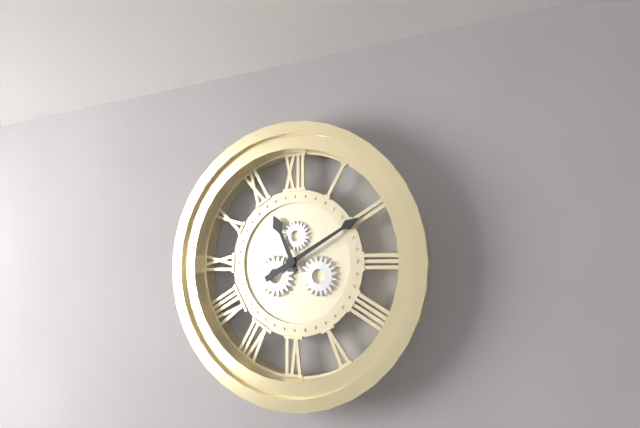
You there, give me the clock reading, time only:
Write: 11:10
